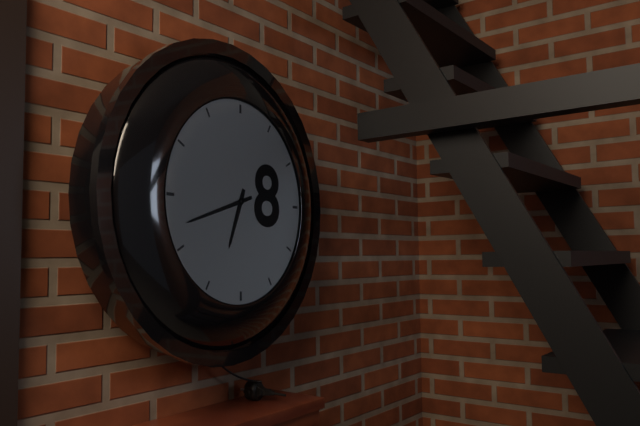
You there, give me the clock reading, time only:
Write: 6:42
